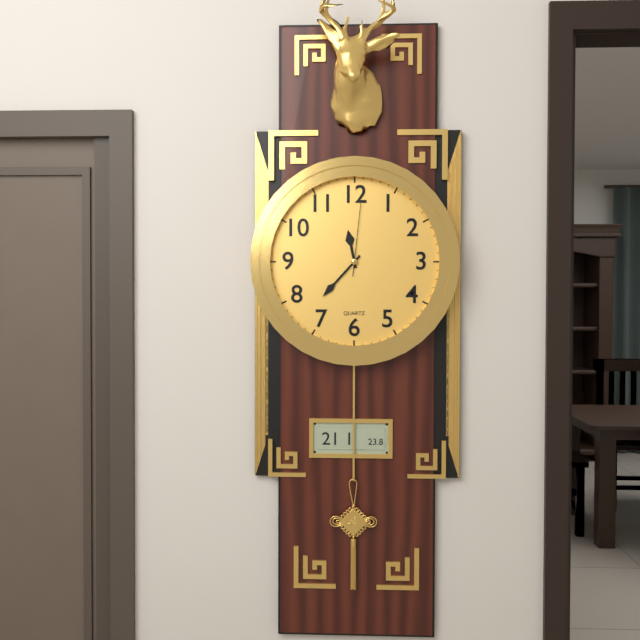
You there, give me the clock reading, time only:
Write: 11:37:01
